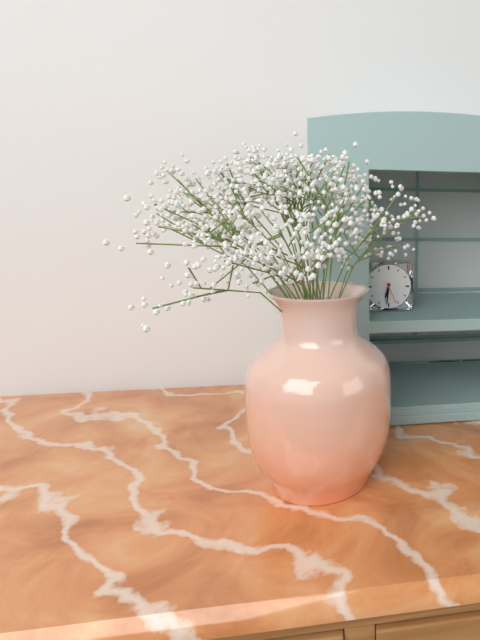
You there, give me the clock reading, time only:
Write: 6:31
